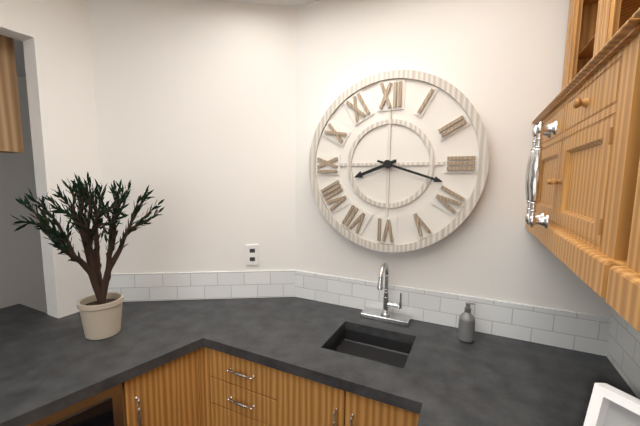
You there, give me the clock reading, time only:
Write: 8:18
